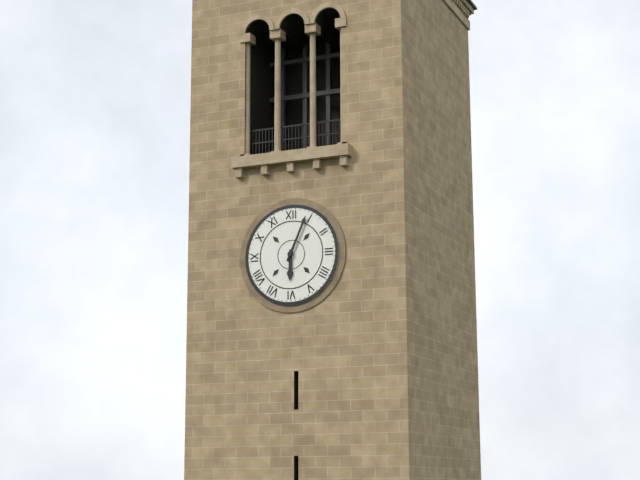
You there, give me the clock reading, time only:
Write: 6:04
